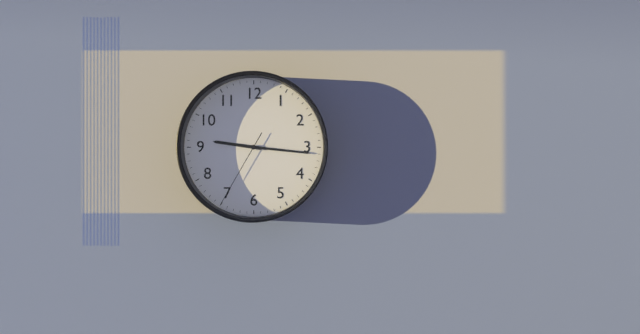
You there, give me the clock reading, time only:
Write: 9:16:35
